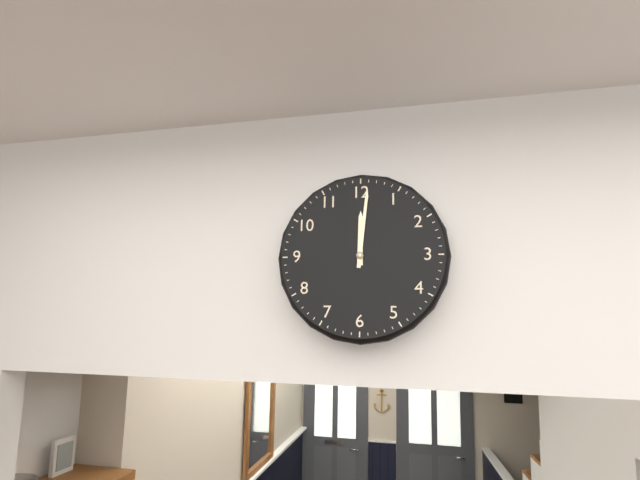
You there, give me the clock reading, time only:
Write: 12:01
